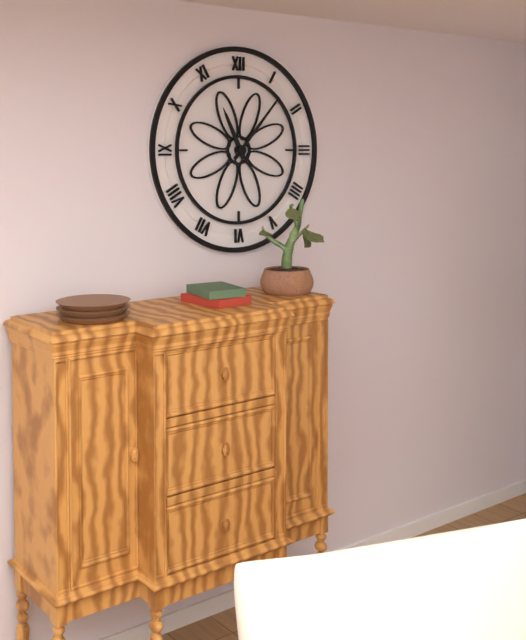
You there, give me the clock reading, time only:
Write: 11:07
